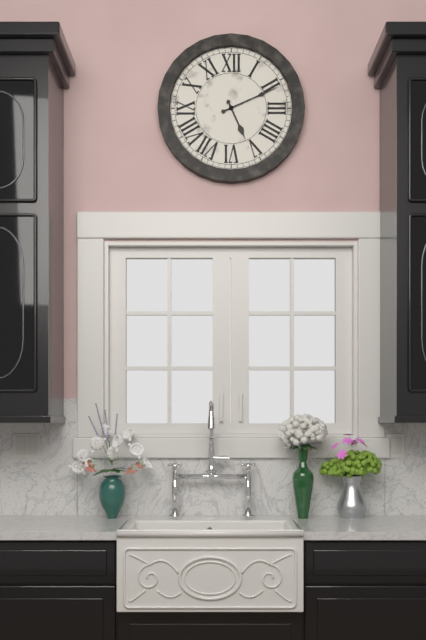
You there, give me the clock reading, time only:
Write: 5:11
